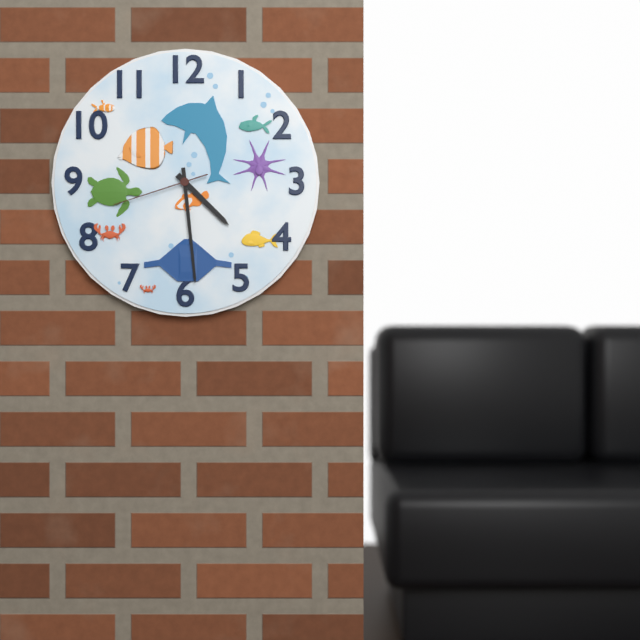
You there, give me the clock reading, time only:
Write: 4:29:42
